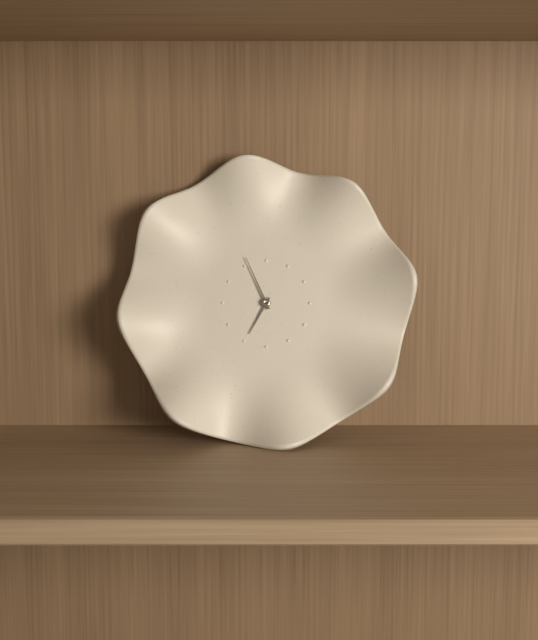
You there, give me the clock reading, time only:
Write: 6:56
